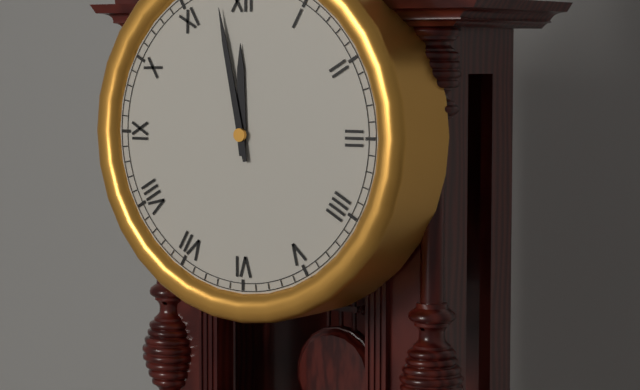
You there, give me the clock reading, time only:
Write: 11:58
